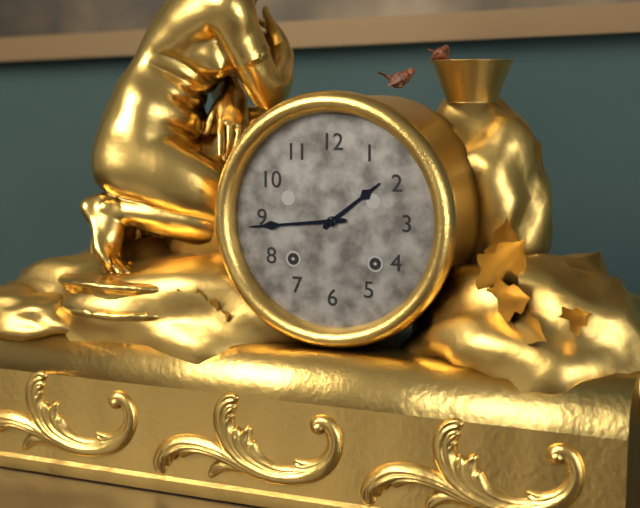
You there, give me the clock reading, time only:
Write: 1:44
